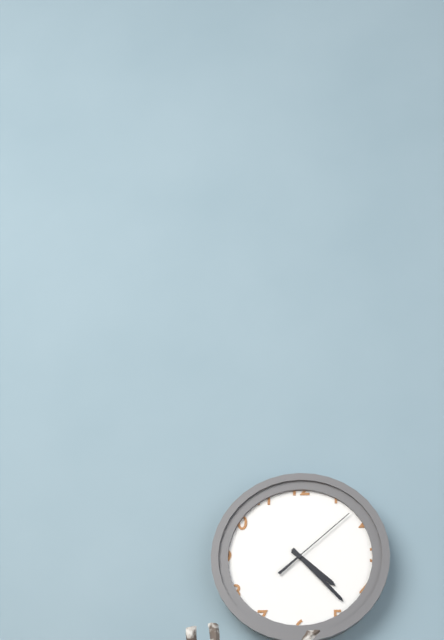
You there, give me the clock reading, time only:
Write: 4:23:08
